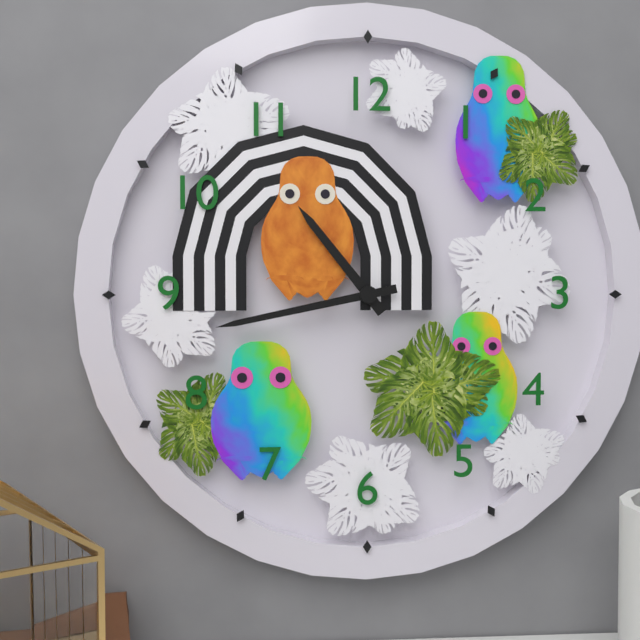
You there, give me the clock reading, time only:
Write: 10:43
